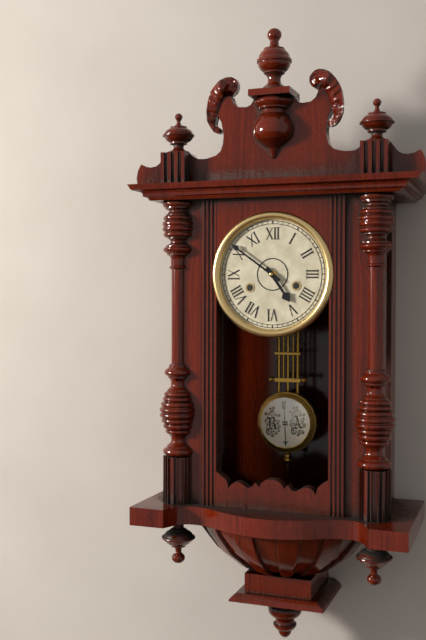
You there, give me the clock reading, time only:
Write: 4:51
